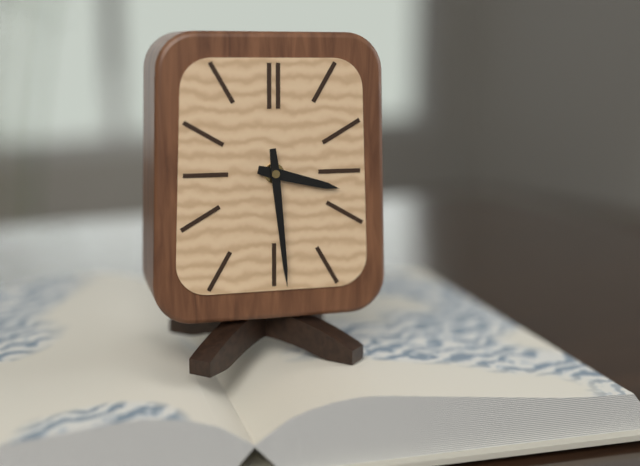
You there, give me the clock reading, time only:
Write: 3:29
